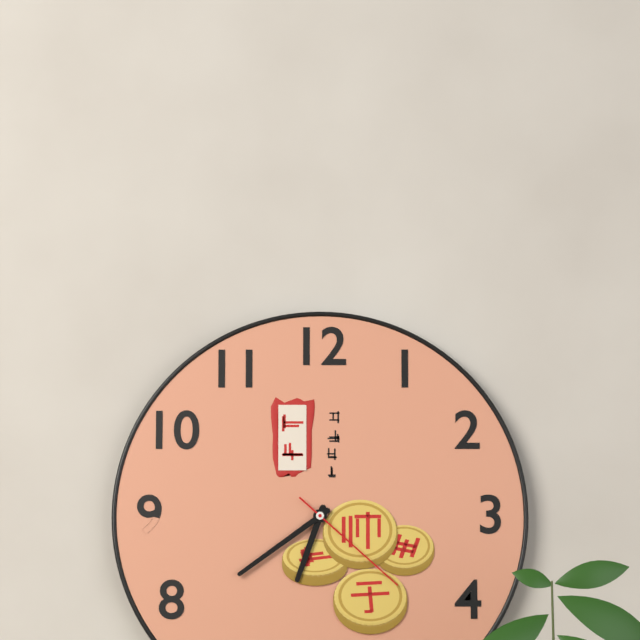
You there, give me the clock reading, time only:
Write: 6:39:22
